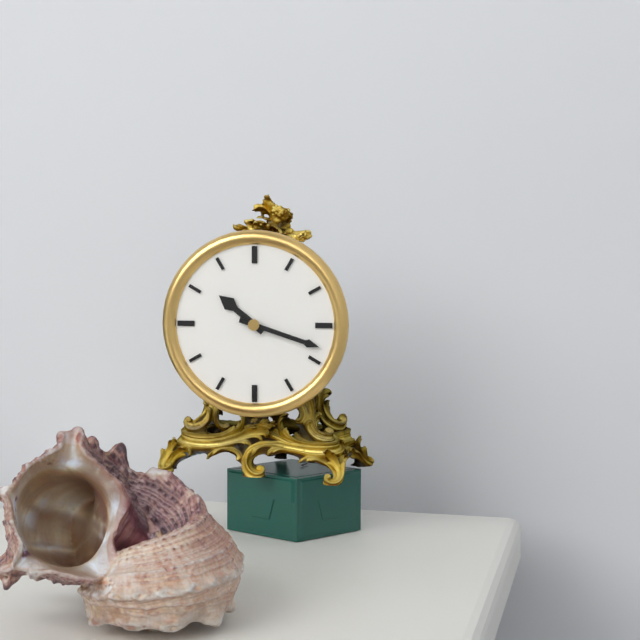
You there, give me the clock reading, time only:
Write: 10:18
